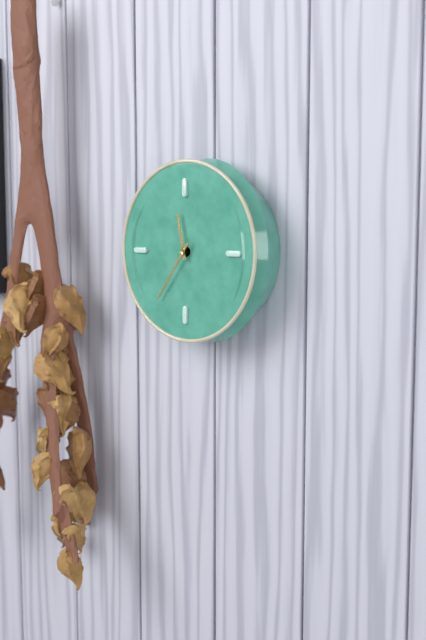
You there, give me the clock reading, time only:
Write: 11:36
